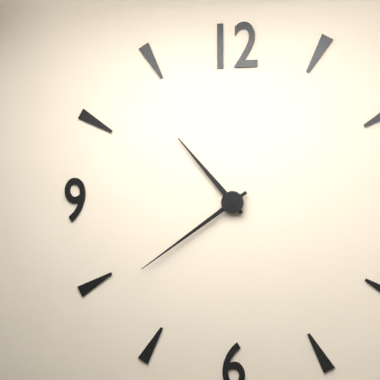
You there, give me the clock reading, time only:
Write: 10:39
